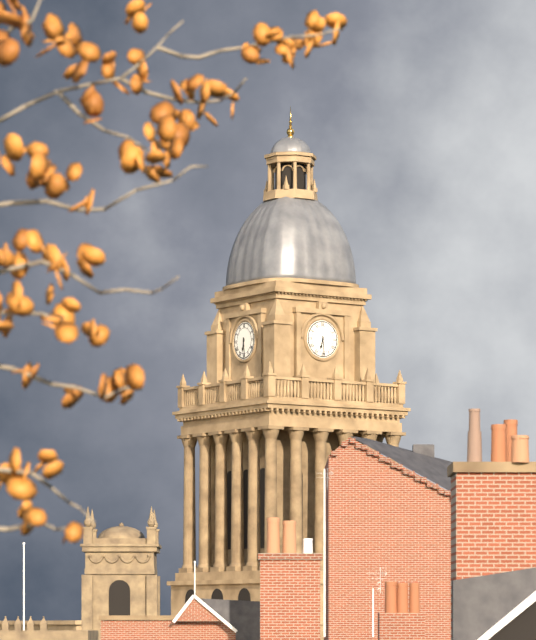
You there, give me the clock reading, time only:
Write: 6:29
